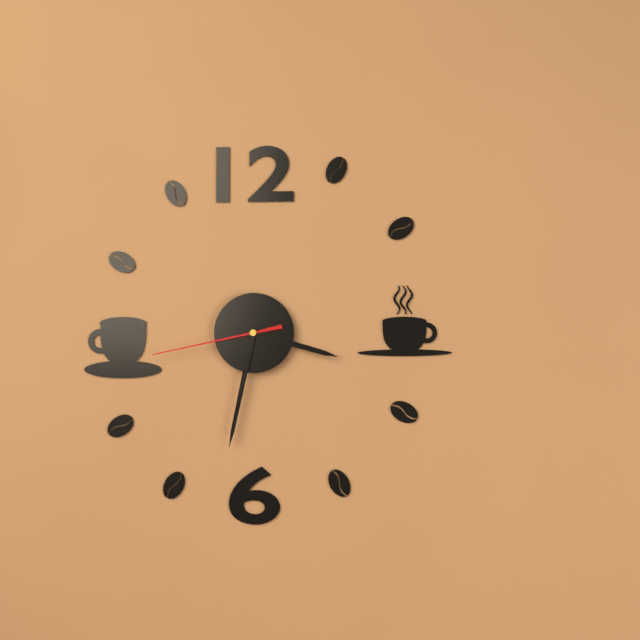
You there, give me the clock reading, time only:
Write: 3:32:43
